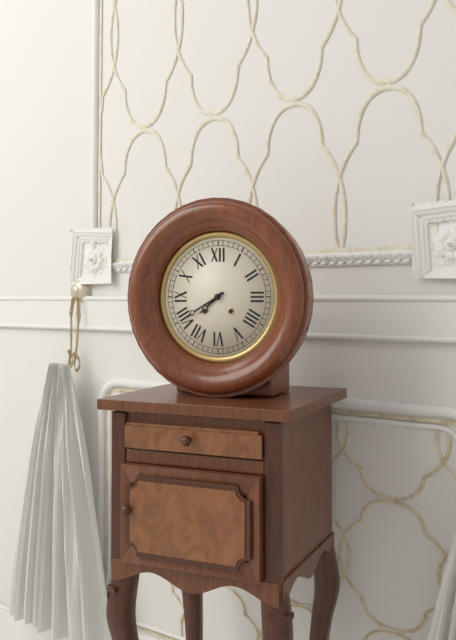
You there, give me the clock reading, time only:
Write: 7:40
